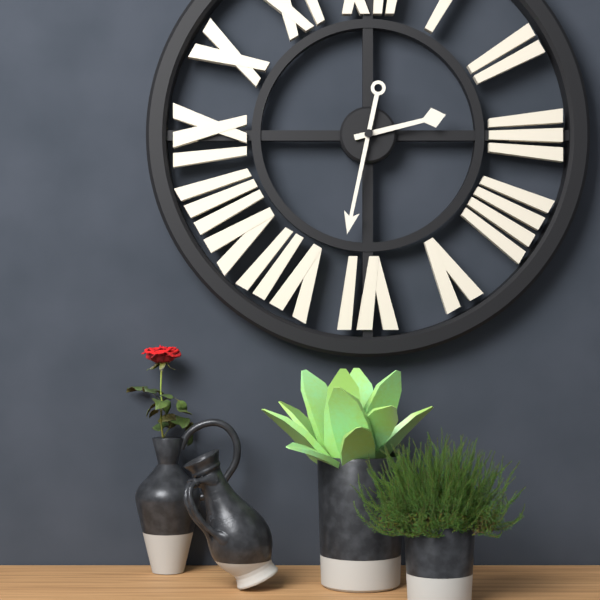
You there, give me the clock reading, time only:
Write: 2:32
